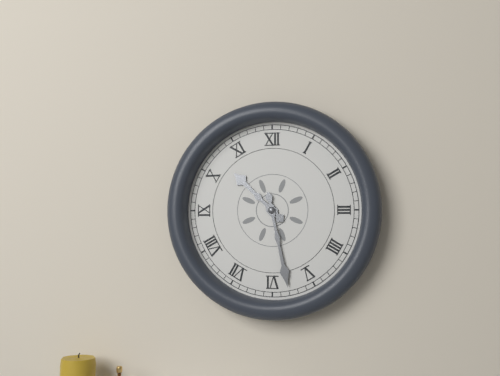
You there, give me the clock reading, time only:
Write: 10:28
